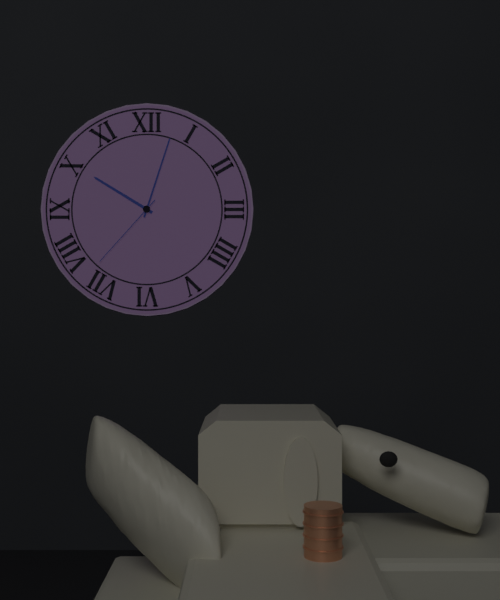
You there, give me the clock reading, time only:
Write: 10:03:37
